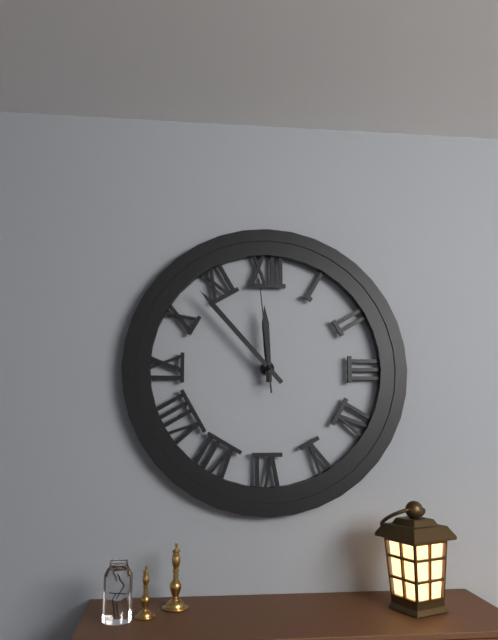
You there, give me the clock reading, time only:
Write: 11:53:59
